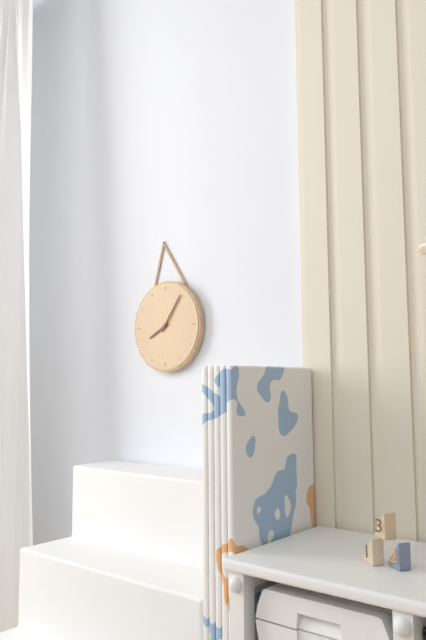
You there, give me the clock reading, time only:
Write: 8:06
